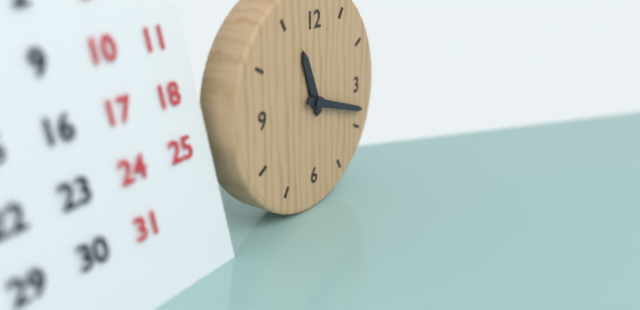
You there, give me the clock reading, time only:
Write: 11:18
